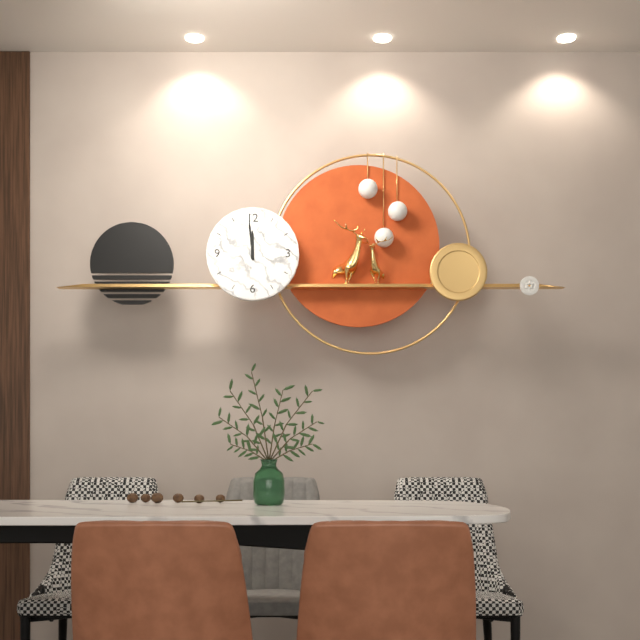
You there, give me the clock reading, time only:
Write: 11:59
